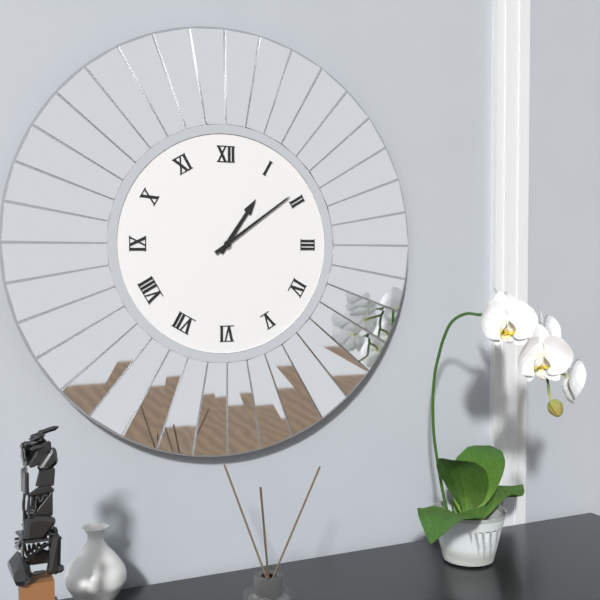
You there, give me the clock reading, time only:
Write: 1:09
